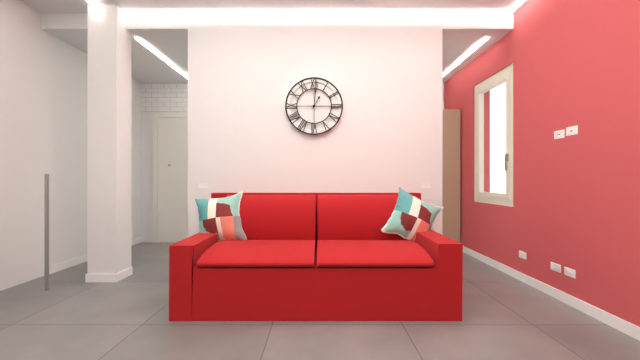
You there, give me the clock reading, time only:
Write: 1:01
